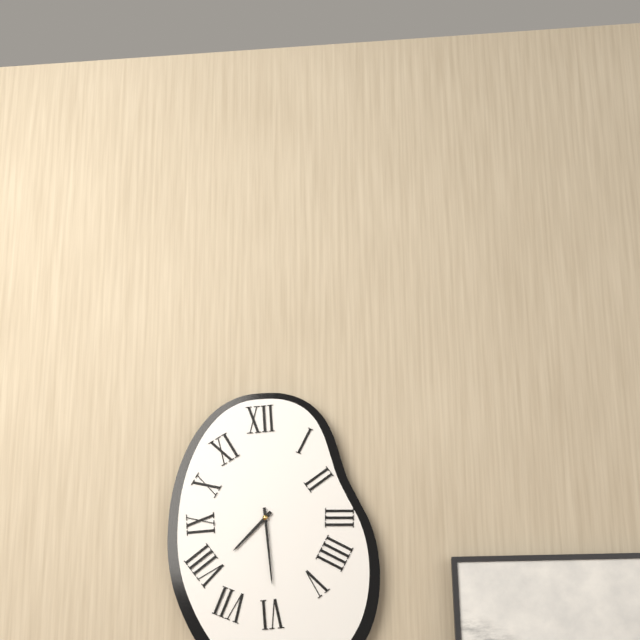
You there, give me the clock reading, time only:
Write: 7:29
